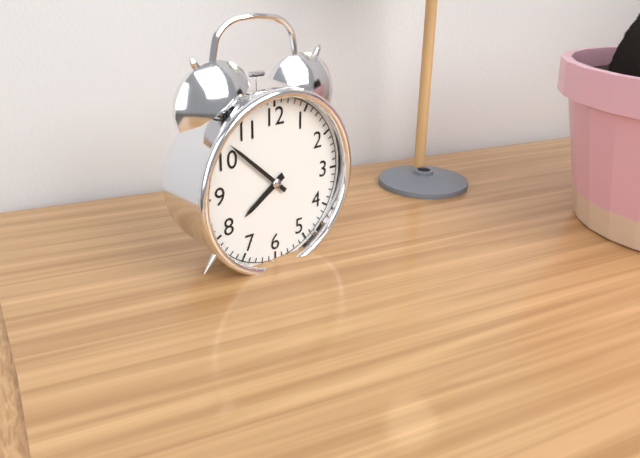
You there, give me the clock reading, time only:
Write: 7:52
